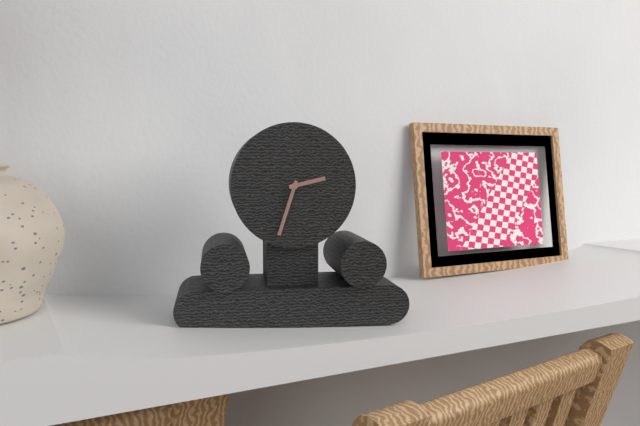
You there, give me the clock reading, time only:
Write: 2:33
